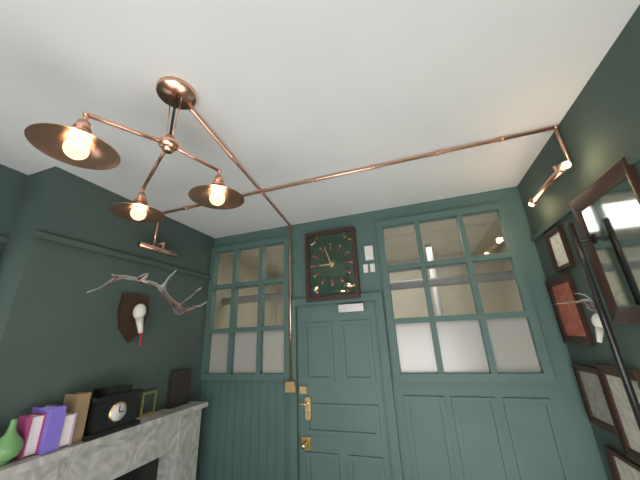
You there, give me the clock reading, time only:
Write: 8:57
